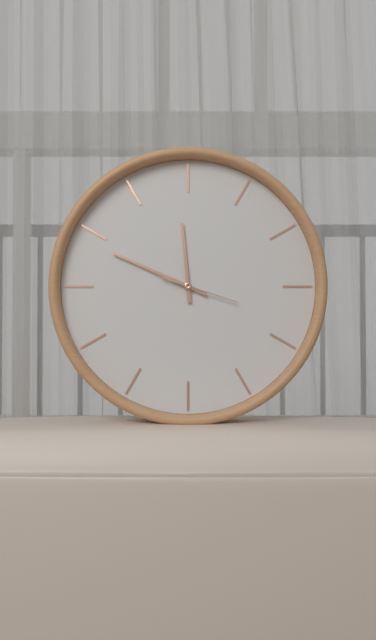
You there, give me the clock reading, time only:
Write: 11:49:18
